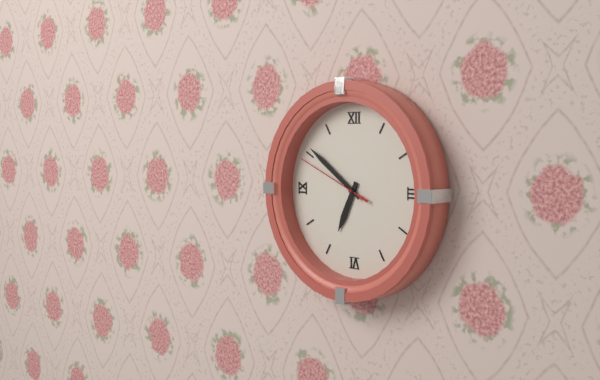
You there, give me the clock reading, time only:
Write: 6:51:49
